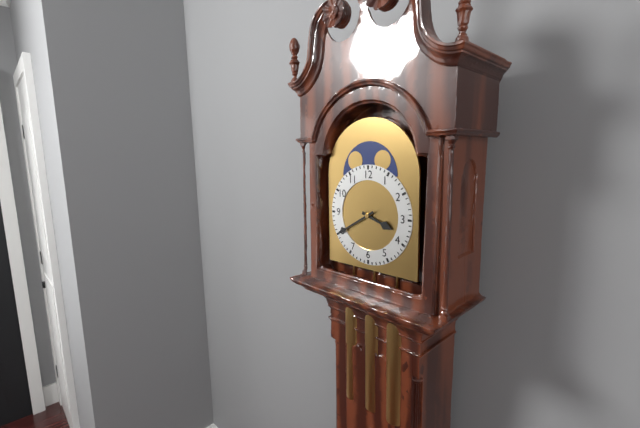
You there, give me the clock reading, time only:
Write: 3:40
